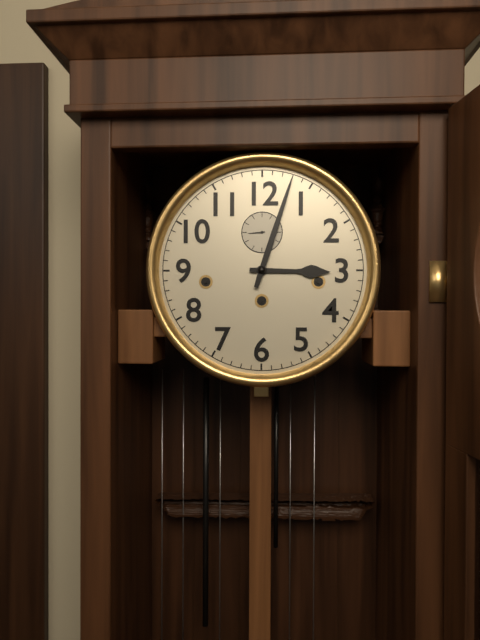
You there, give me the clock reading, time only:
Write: 3:03
